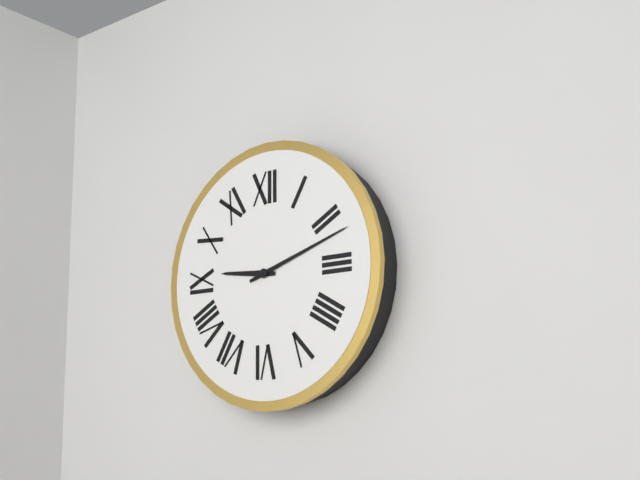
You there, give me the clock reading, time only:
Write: 9:12
